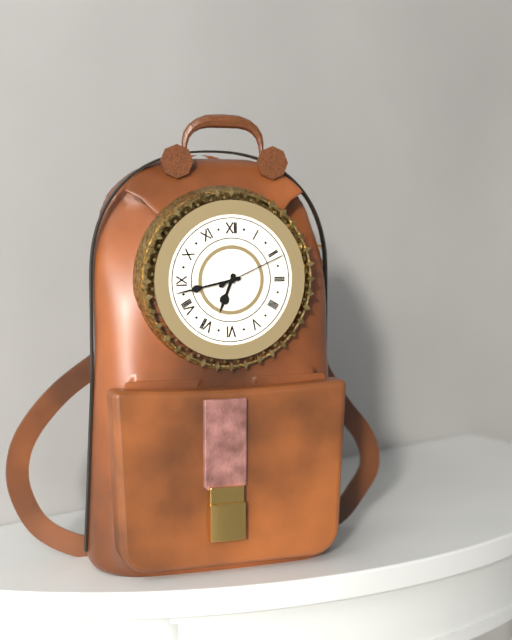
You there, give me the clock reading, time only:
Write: 6:43:11
